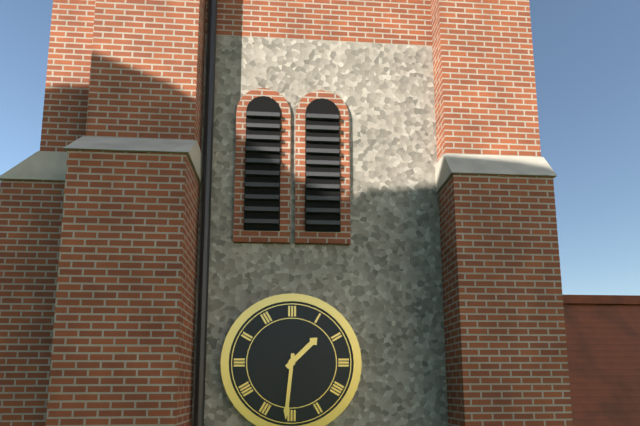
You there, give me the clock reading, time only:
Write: 1:31
